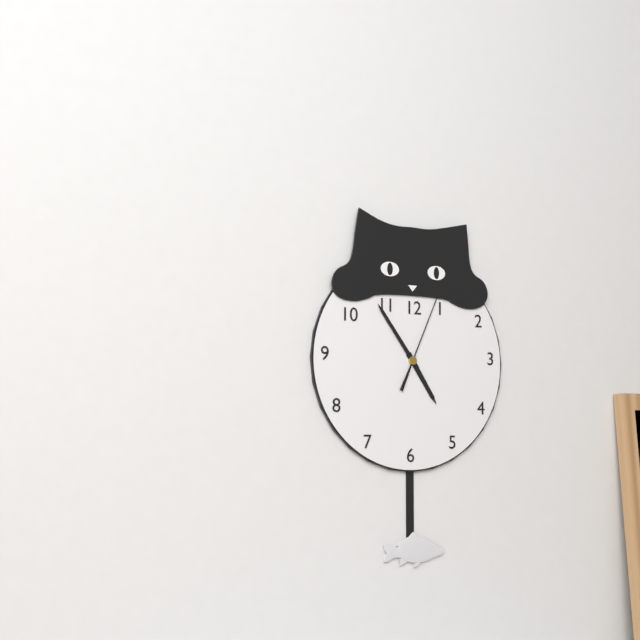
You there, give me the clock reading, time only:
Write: 4:54:04
